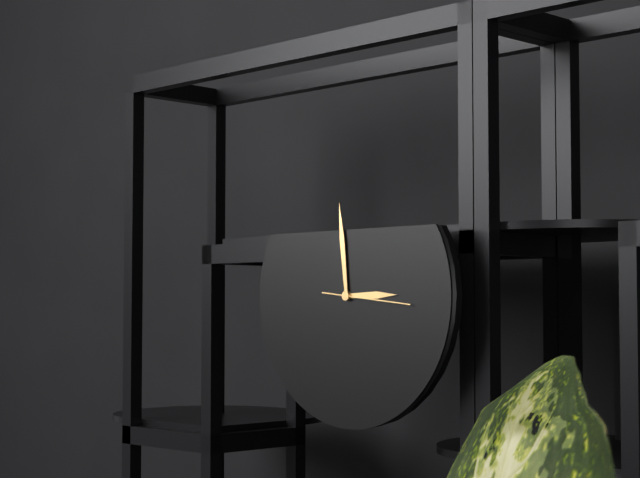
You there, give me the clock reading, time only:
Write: 2:59:16
